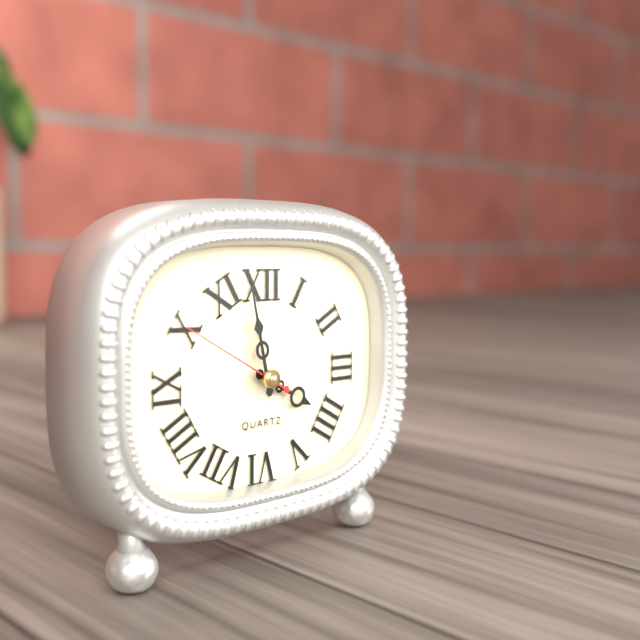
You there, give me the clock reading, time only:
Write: 3:58:50
